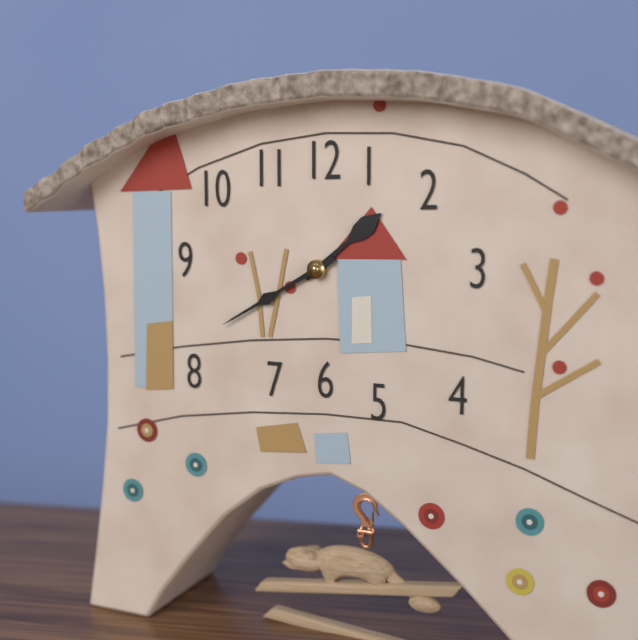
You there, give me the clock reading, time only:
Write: 1:40
